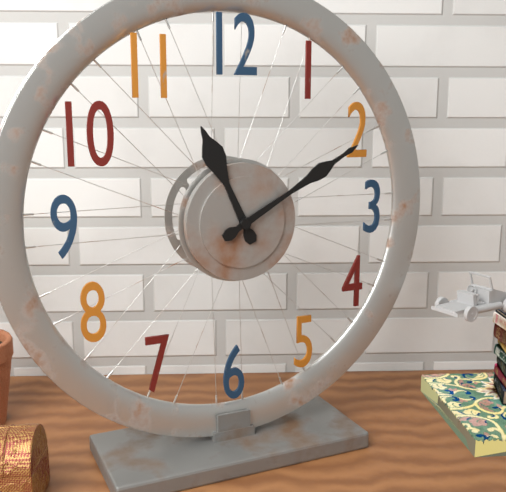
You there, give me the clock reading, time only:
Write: 11:10
